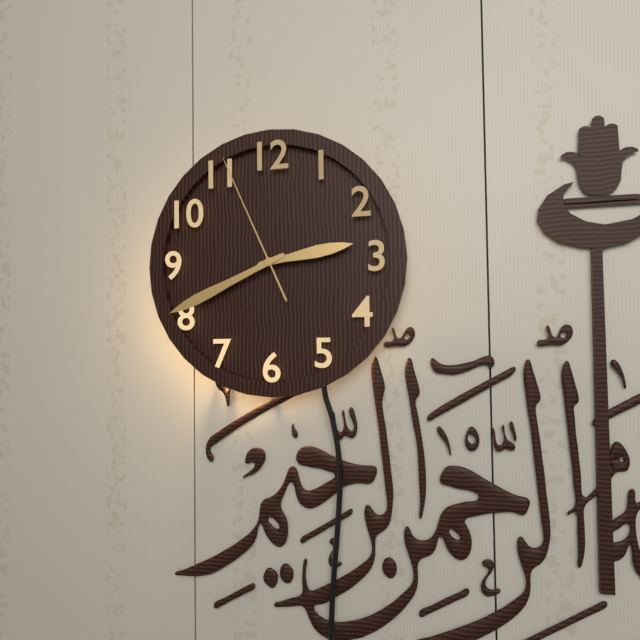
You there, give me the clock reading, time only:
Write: 2:41:56
